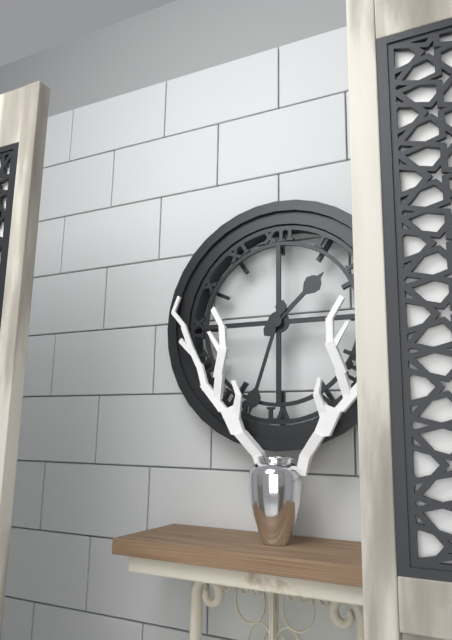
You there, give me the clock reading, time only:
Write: 1:33
